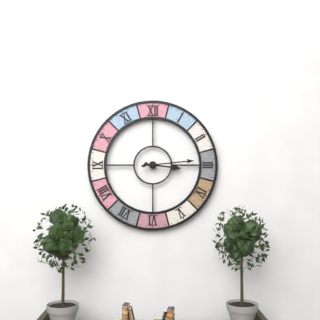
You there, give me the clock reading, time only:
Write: 3:14
